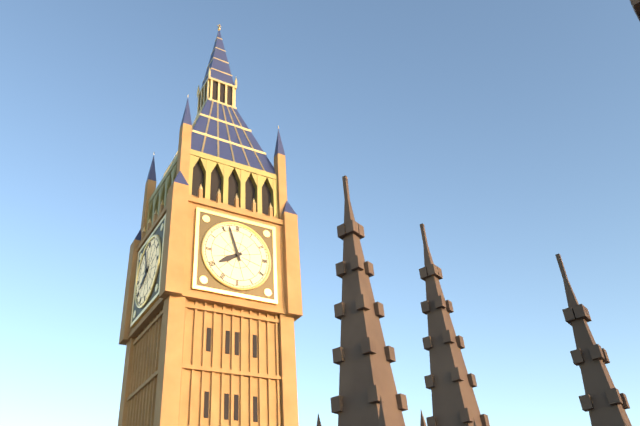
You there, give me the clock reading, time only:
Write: 7:57
